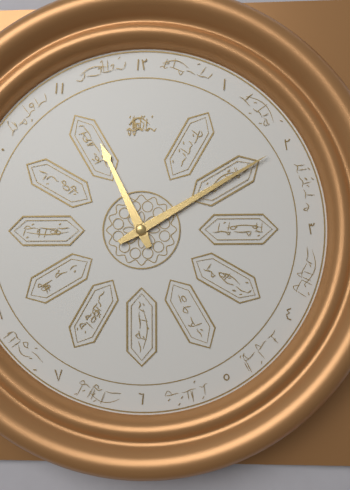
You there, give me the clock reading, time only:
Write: 11:10
